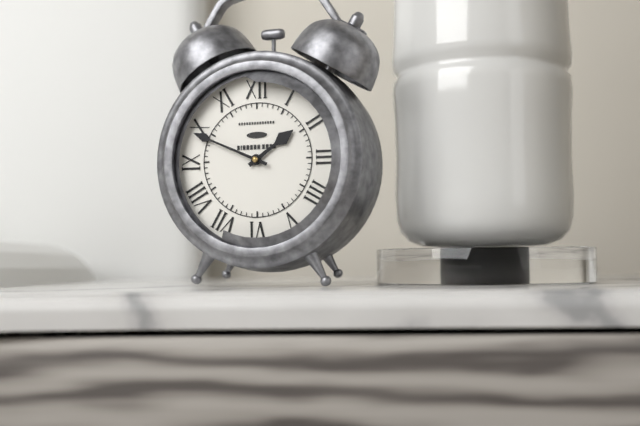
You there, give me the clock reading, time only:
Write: 1:49
